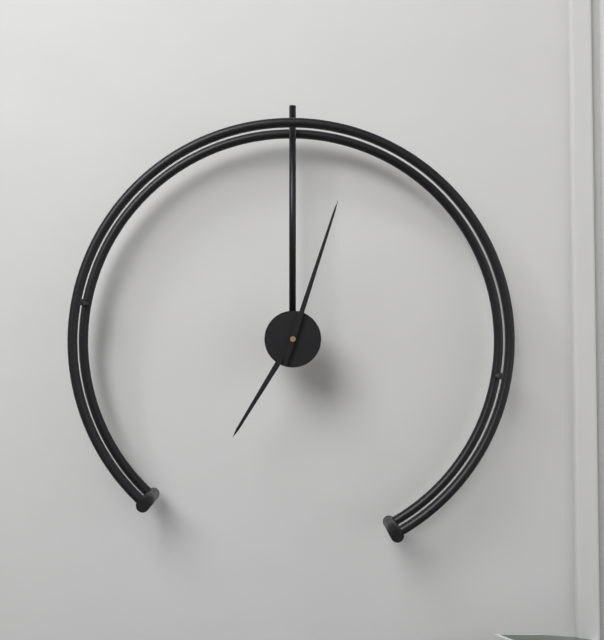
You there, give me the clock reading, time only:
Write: 7:03
